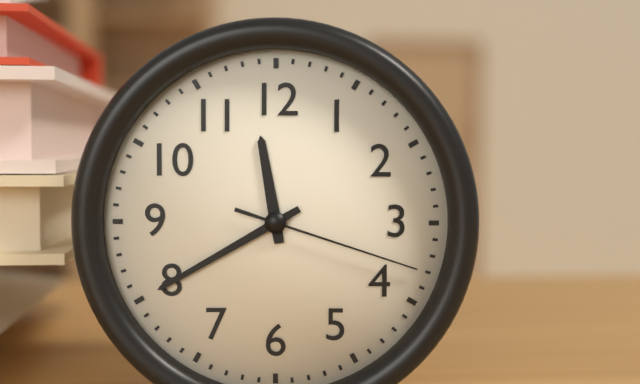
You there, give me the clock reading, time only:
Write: 11:40:18
